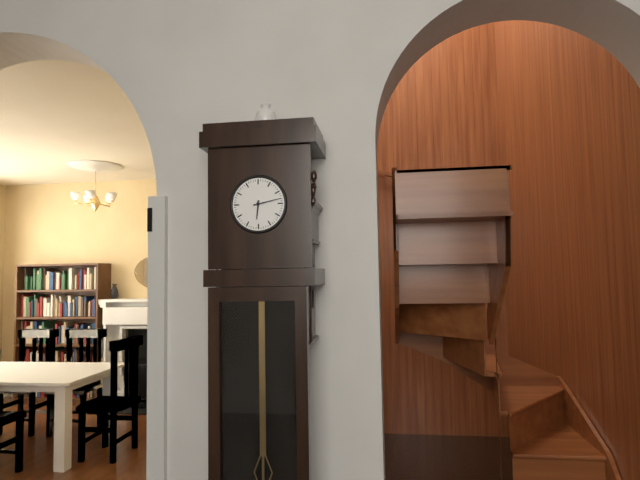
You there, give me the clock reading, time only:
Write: 6:13
